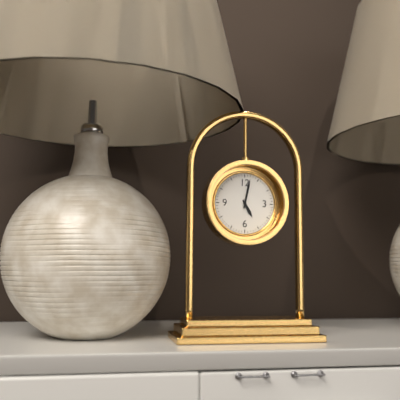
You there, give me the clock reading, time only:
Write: 5:02
